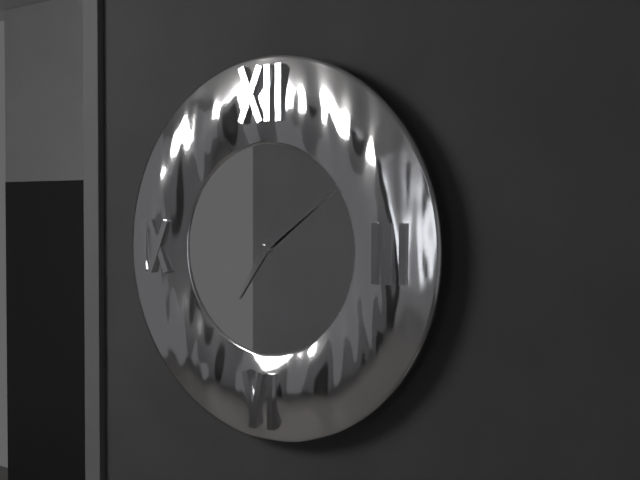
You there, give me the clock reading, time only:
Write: 7:09
